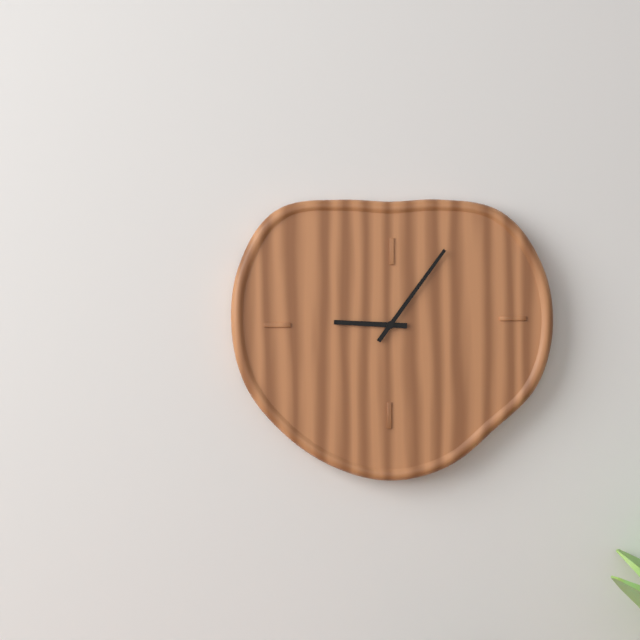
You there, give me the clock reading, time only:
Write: 9:06
